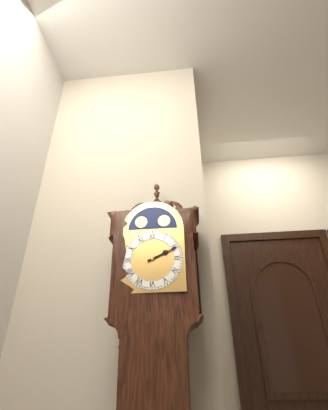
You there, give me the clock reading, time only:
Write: 2:11
